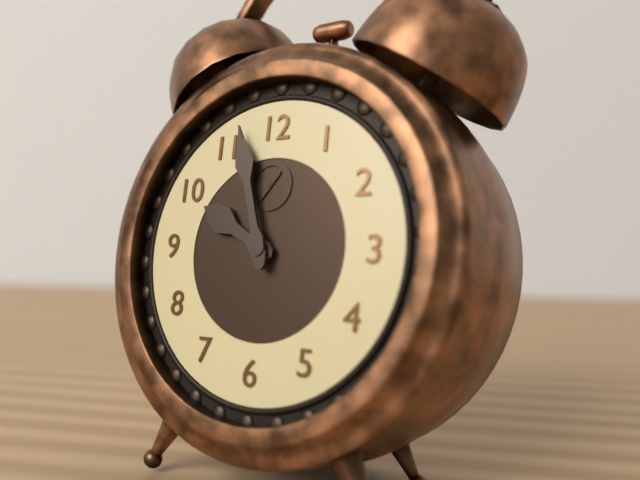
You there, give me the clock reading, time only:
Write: 9:57
